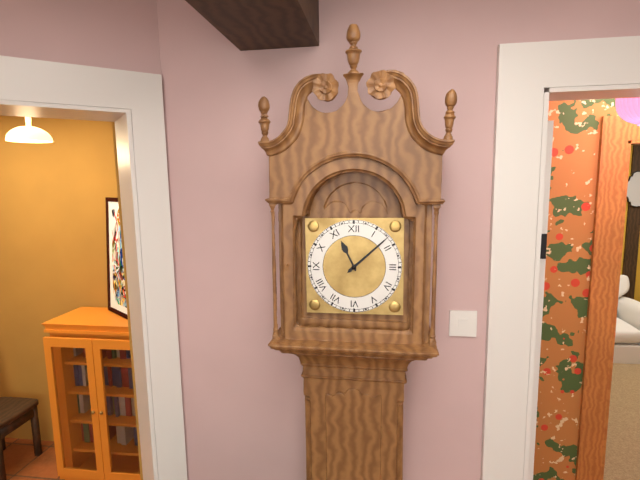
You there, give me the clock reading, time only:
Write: 11:08
